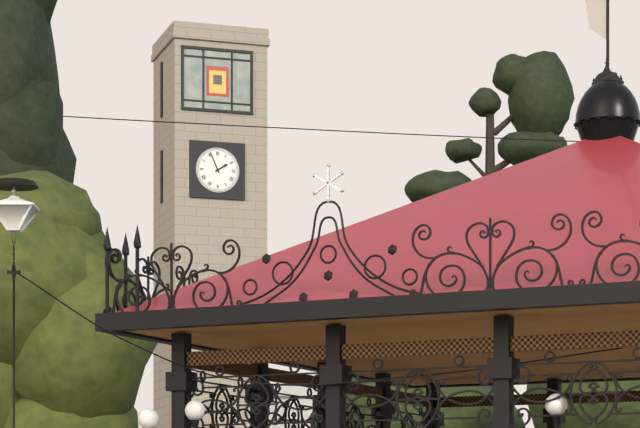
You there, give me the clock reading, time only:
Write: 1:56
